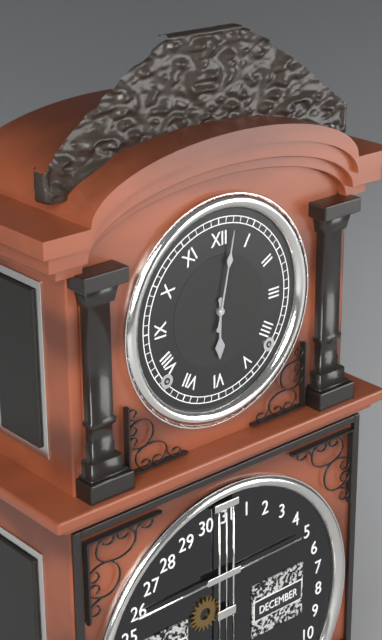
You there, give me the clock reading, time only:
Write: 6:02
